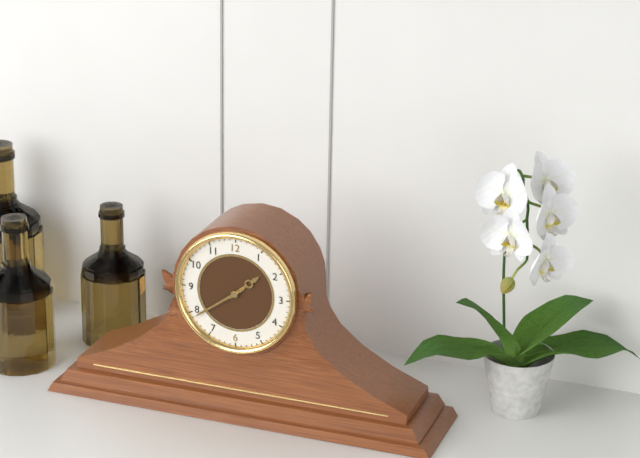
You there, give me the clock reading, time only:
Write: 1:39
